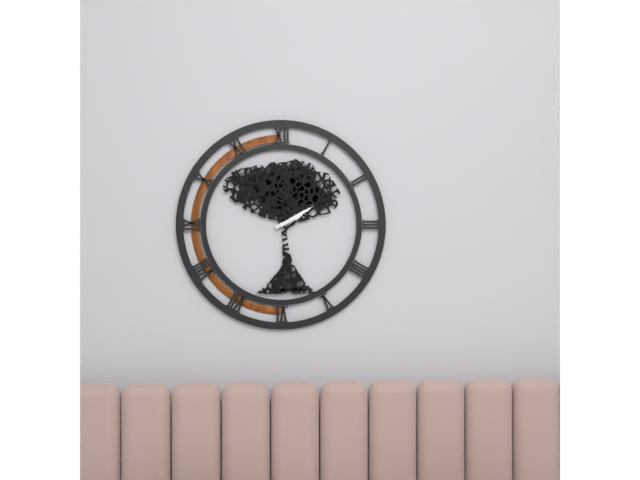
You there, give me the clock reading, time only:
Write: 2:10
